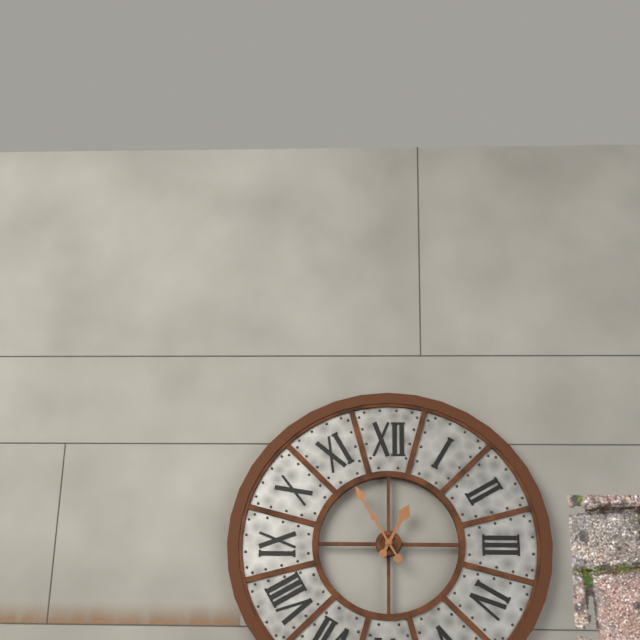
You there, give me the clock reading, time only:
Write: 12:55
